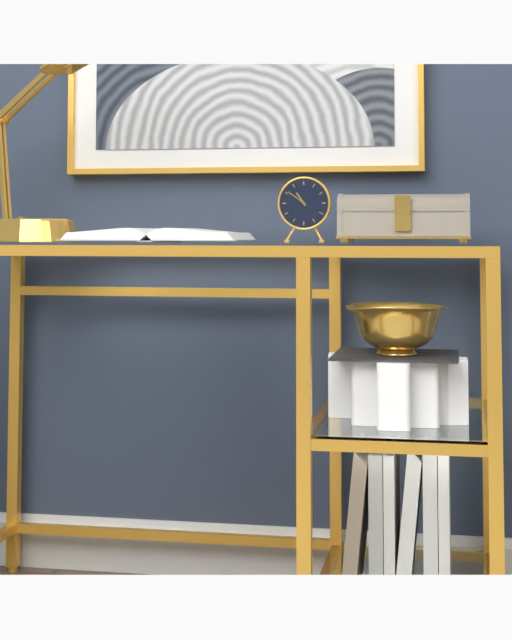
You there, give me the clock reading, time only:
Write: 10:51
